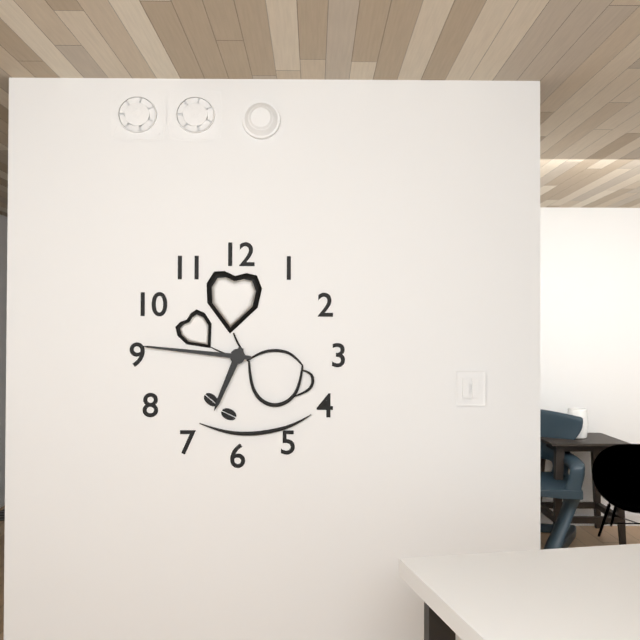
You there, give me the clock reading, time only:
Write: 6:46
